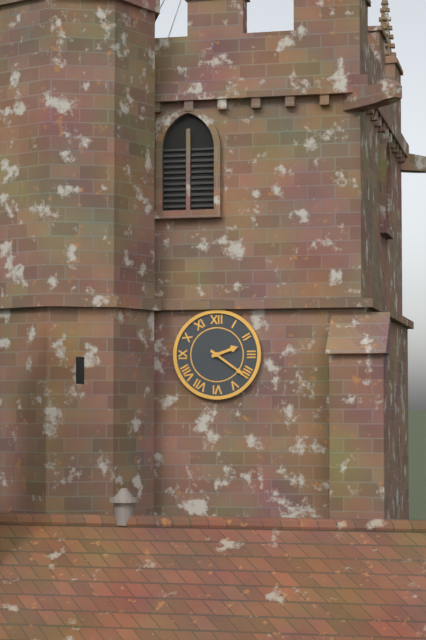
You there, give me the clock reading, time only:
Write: 2:21
